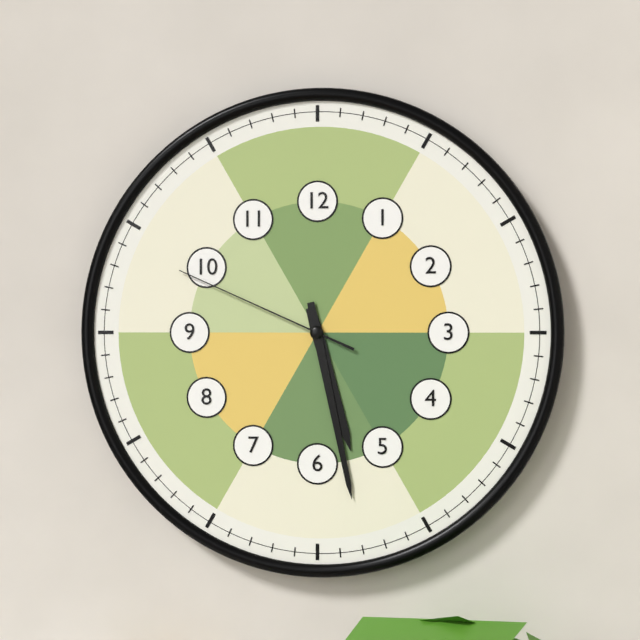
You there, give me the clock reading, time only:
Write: 5:28:49
